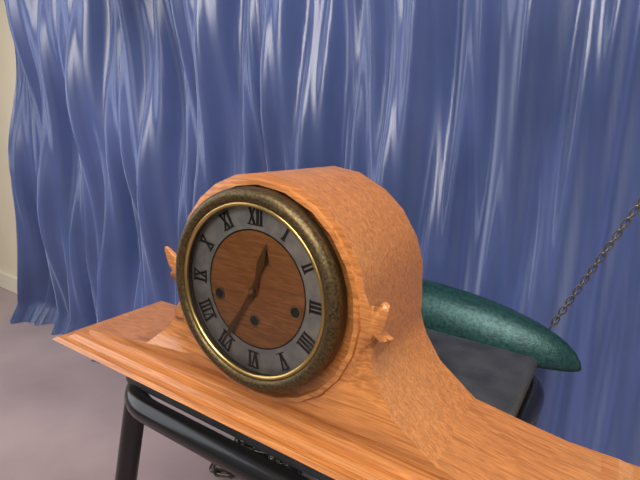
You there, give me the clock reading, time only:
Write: 12:35
